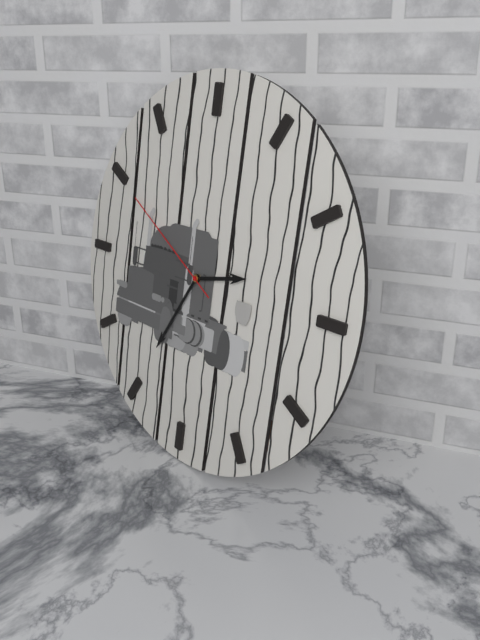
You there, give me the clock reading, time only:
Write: 2:35:50
